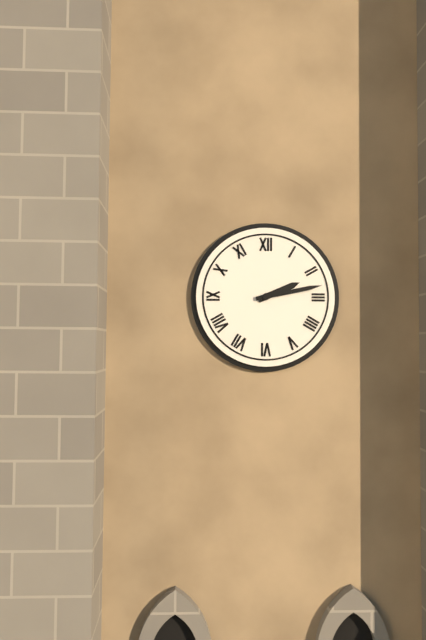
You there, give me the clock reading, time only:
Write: 2:13
